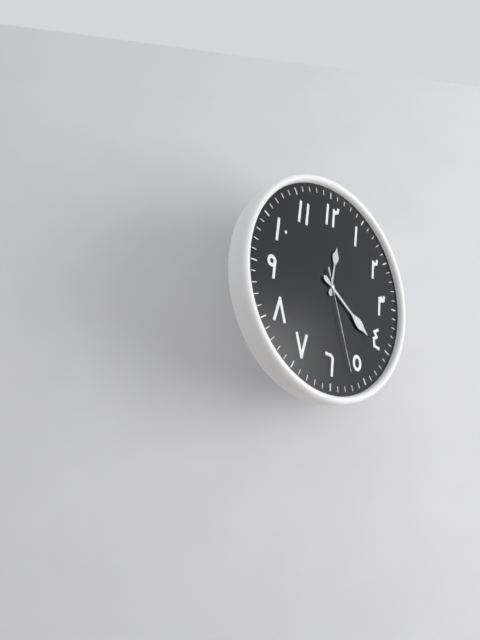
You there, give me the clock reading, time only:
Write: 12:21:27
